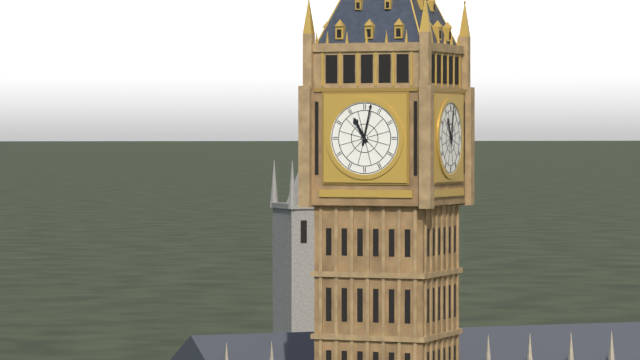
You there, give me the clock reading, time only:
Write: 11:02
